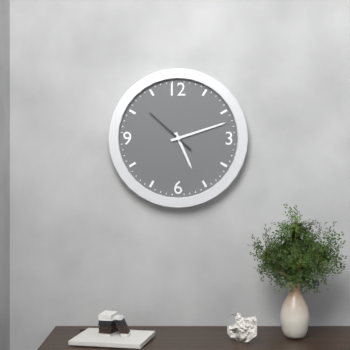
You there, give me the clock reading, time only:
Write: 5:12
